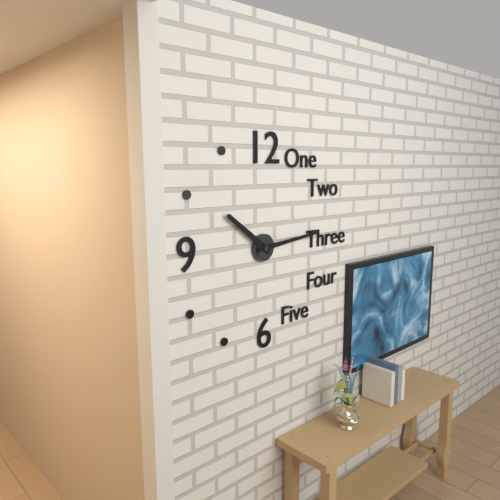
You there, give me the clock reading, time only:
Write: 10:14
